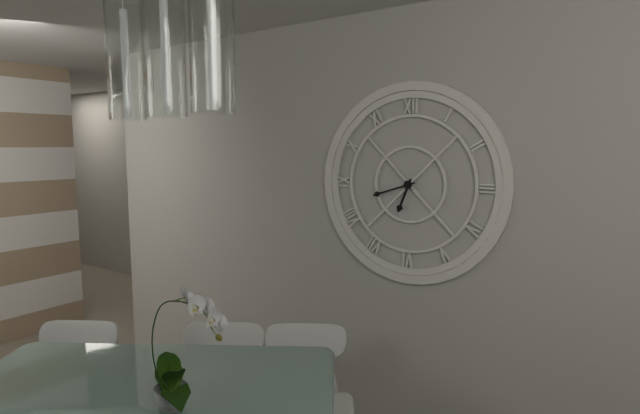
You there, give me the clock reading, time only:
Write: 6:42
